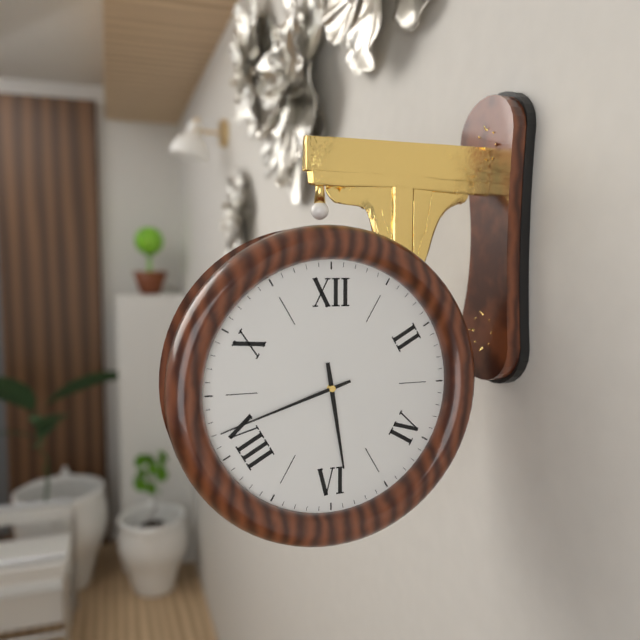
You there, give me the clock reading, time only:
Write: 5:42
